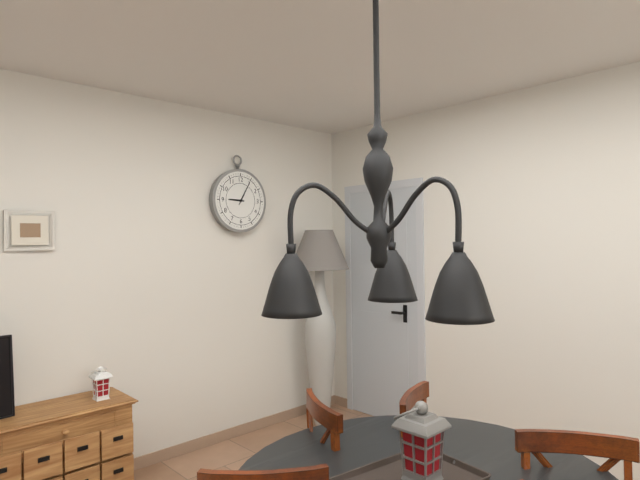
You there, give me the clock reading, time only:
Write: 9:05
